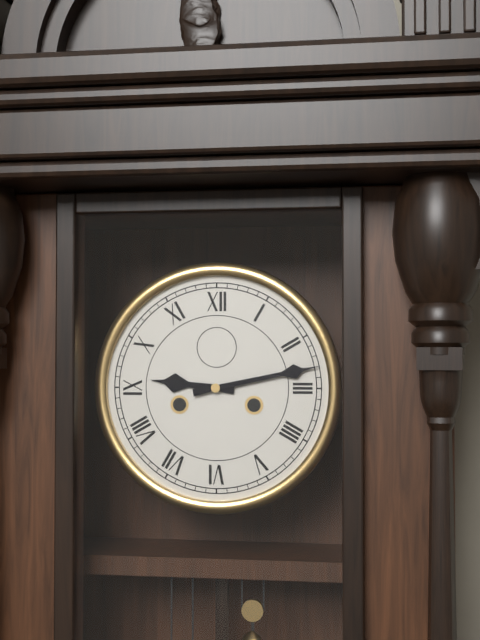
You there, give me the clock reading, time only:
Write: 9:13
